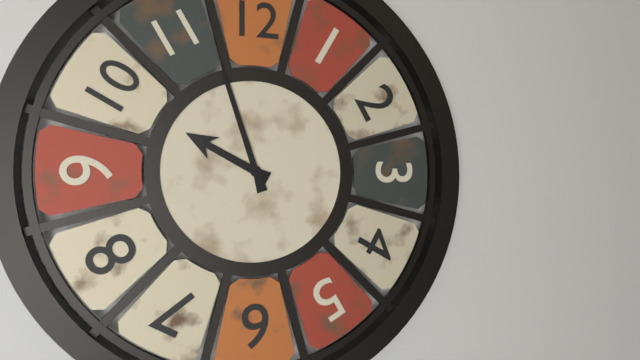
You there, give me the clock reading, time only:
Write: 9:57
